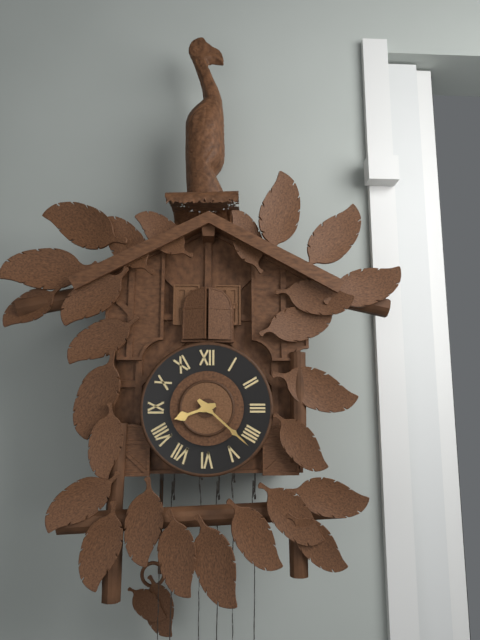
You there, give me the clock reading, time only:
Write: 8:22
